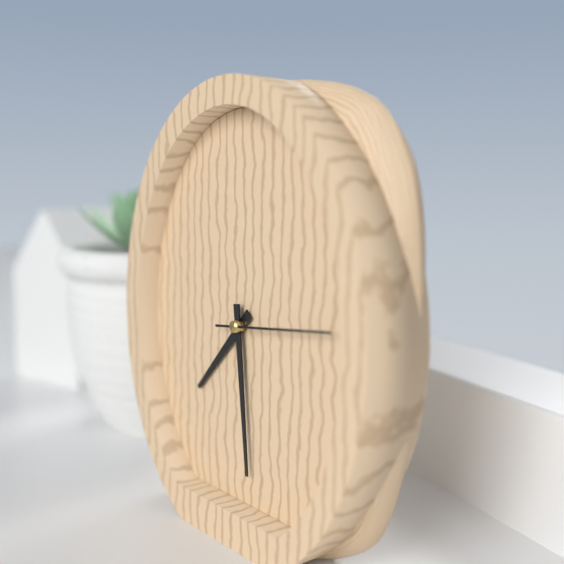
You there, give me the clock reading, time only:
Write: 7:29:14
